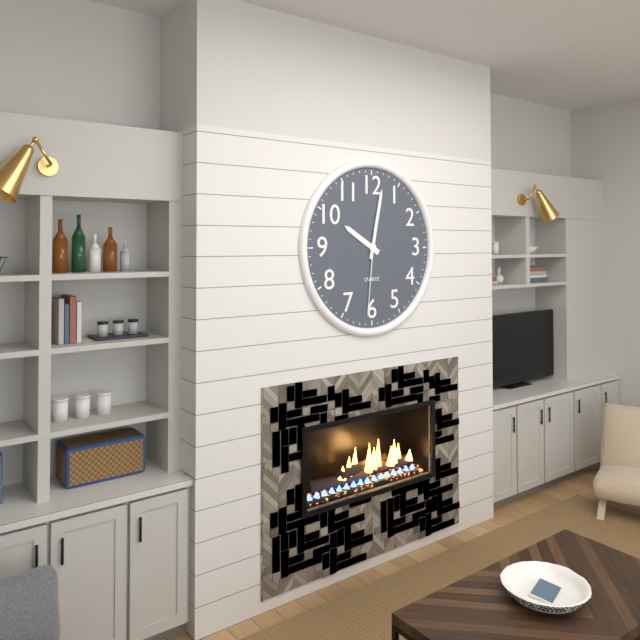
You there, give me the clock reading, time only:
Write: 10:02:31
